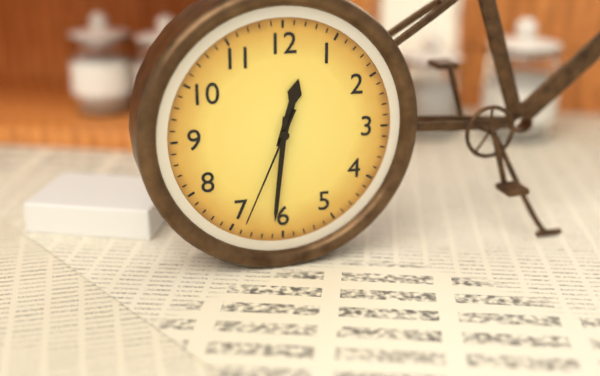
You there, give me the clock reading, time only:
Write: 12:31:34
